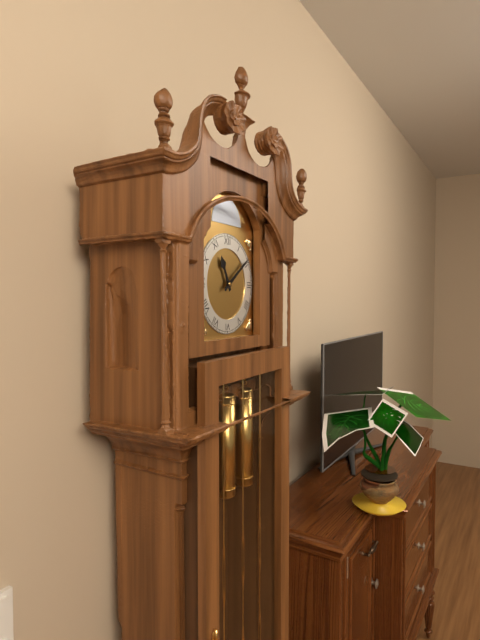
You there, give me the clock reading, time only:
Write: 11:09
